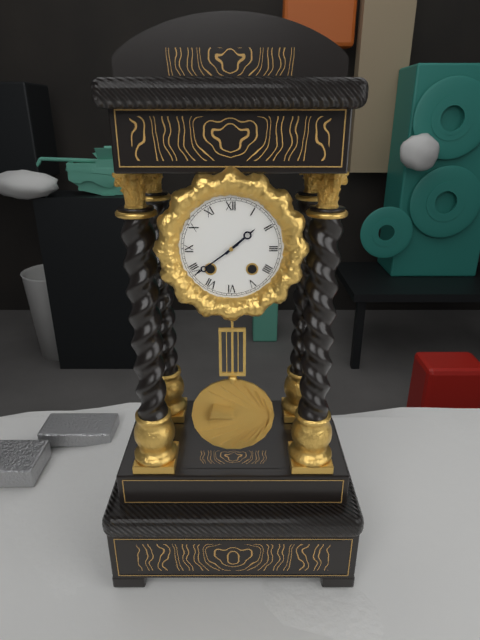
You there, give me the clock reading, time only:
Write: 1:39
